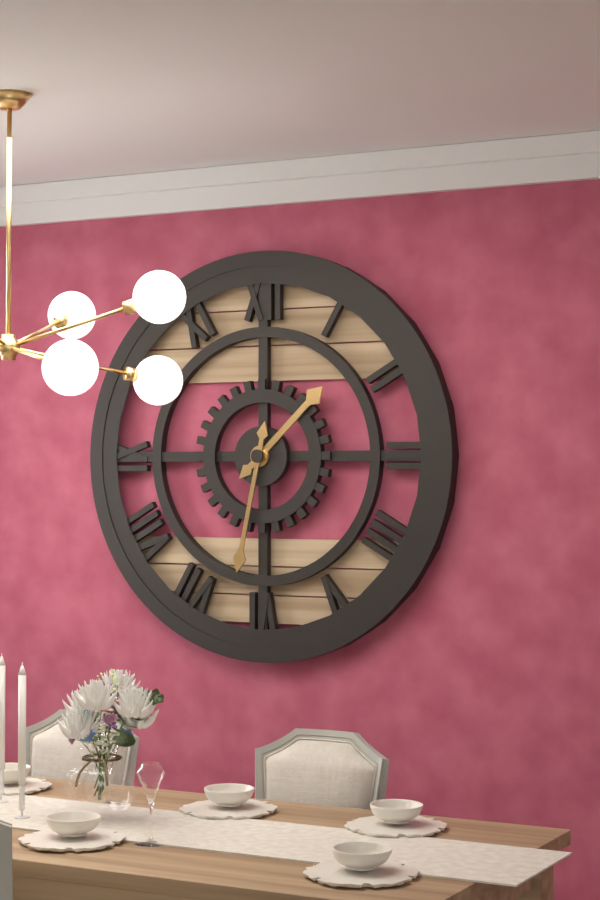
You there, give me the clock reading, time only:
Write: 1:32
